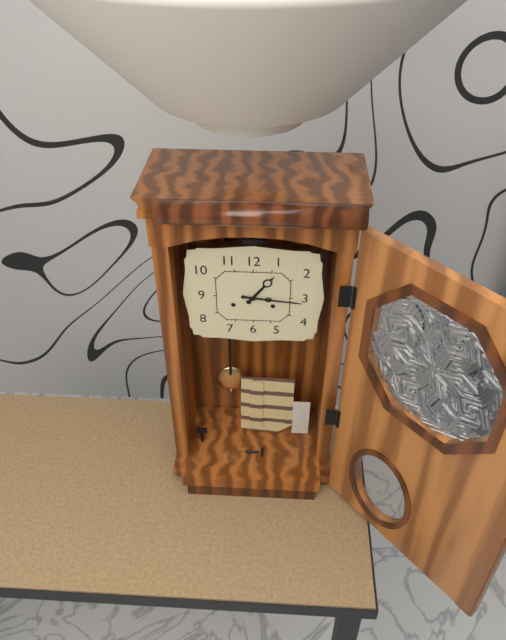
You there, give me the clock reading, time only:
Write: 1:16
